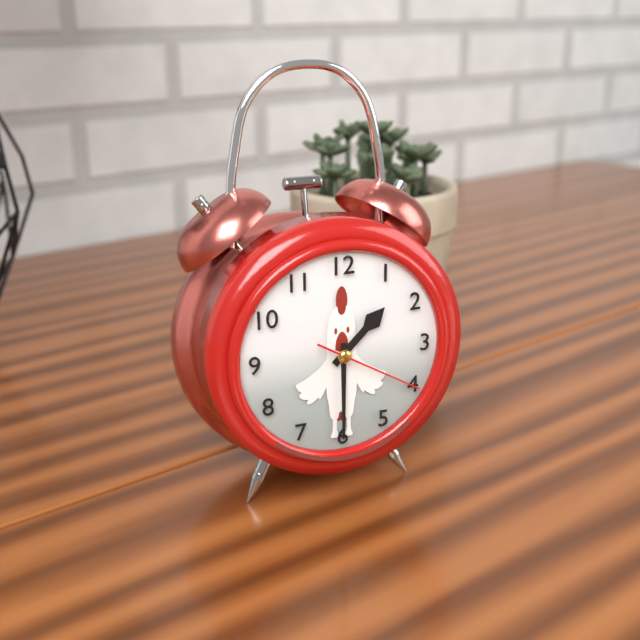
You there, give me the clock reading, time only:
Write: 1:30:20
